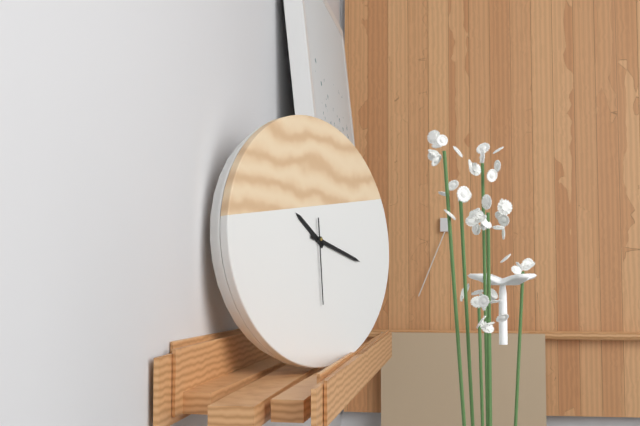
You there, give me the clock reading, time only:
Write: 10:18:30
